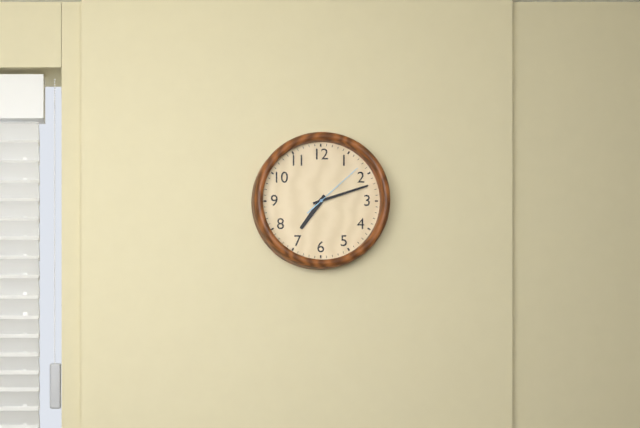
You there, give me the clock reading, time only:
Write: 7:12:08
